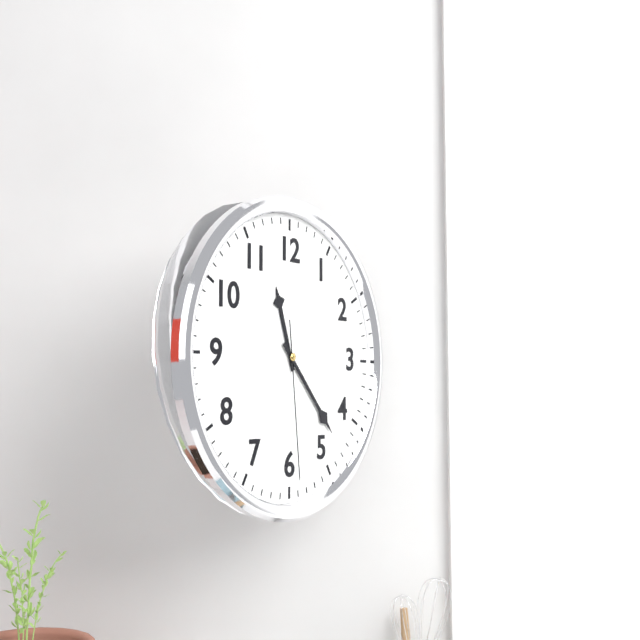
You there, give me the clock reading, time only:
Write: 11:23:29
